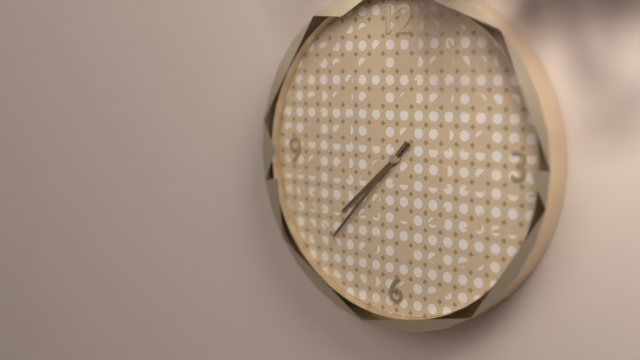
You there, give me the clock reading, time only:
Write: 7:37
